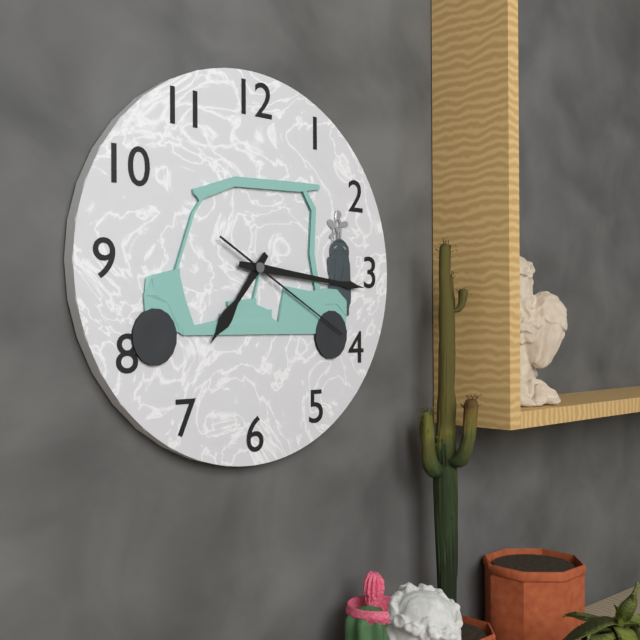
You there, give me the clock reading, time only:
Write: 7:16:20
